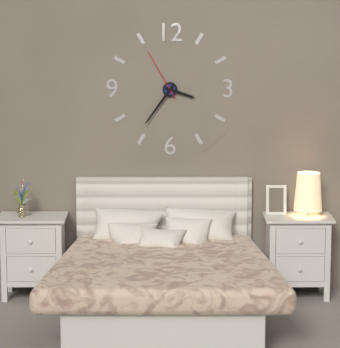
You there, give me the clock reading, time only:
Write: 3:36:55
